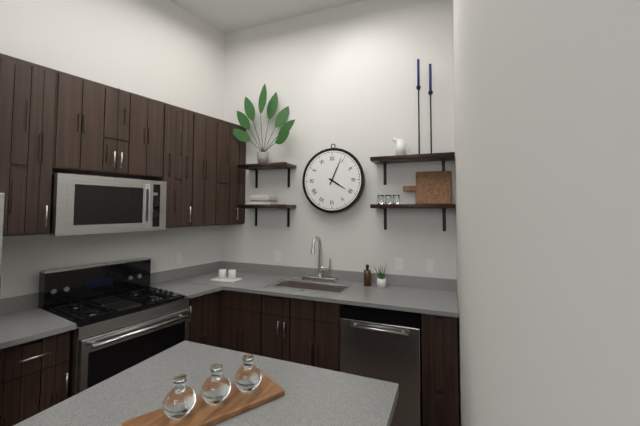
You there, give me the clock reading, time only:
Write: 4:04
